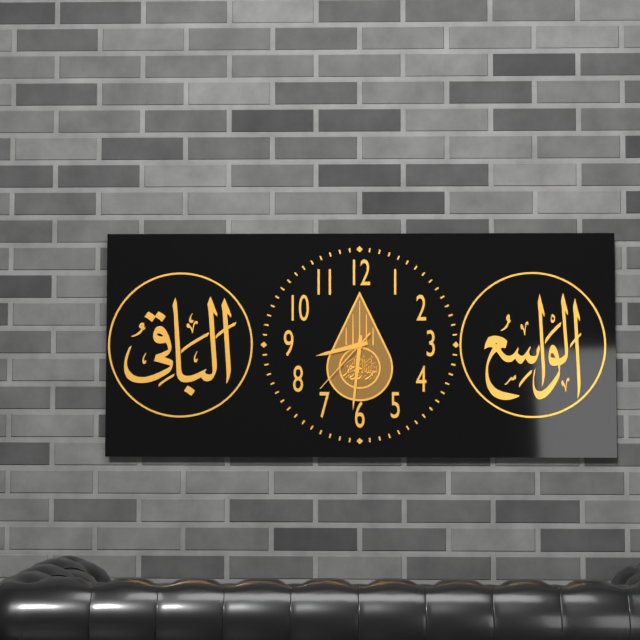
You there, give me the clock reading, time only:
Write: 8:31:37
